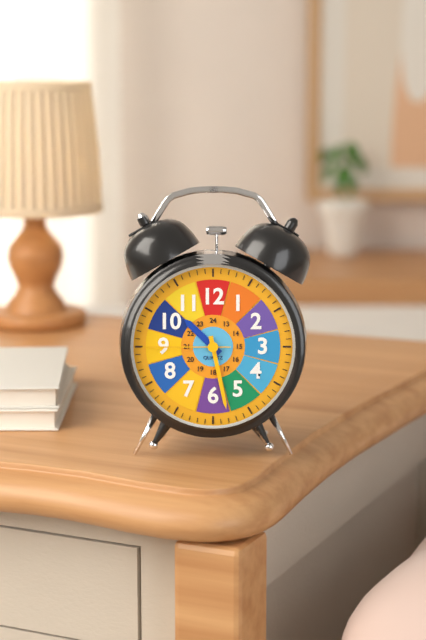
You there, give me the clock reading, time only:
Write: 10:28:45
